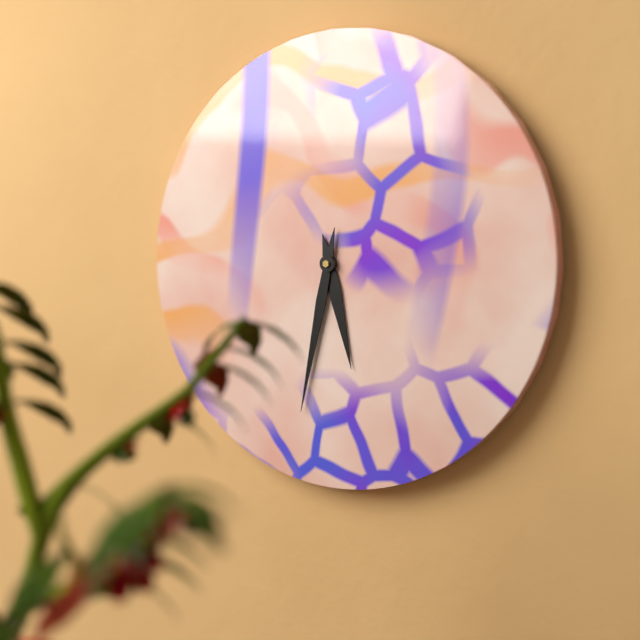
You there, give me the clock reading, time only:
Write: 5:32
